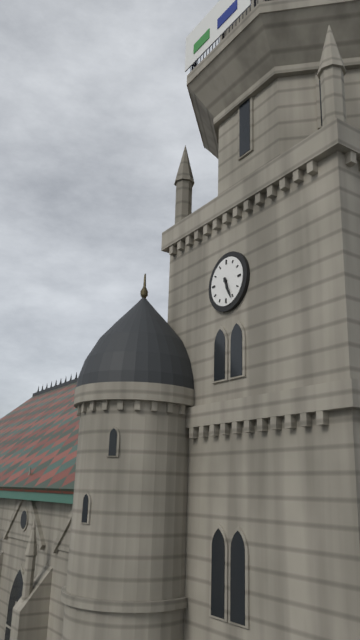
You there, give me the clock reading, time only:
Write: 5:26
